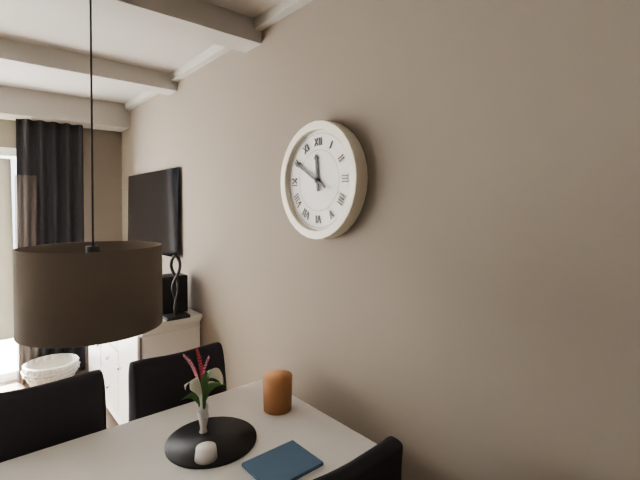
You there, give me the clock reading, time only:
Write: 11:50
